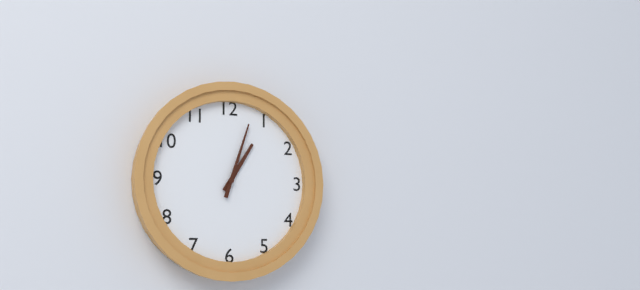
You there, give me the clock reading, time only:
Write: 1:03
